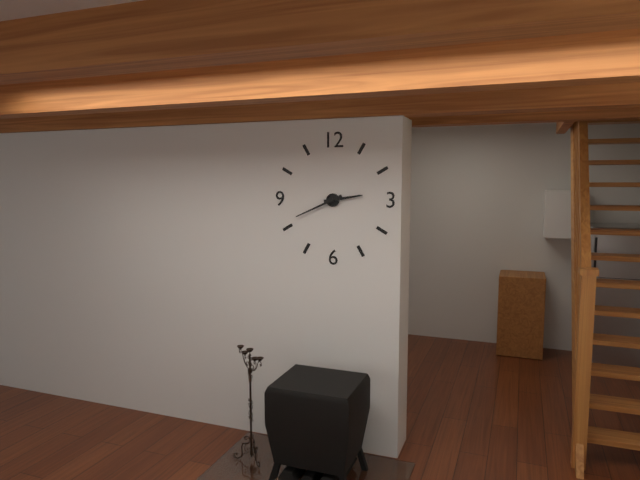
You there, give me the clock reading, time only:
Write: 2:41
